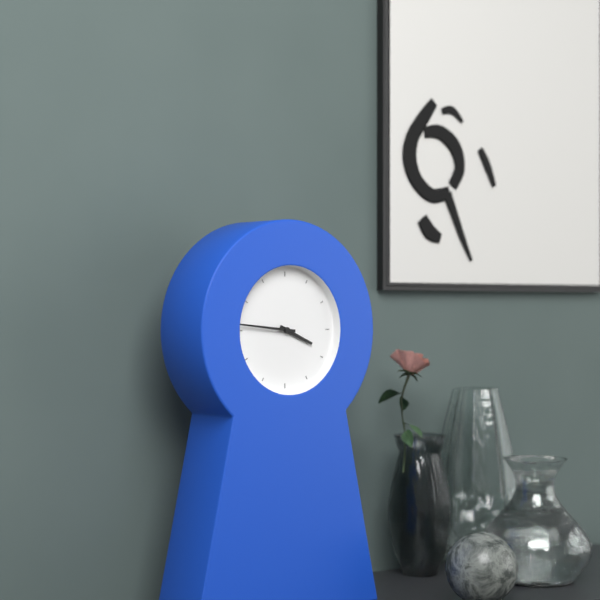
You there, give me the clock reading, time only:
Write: 3:46
